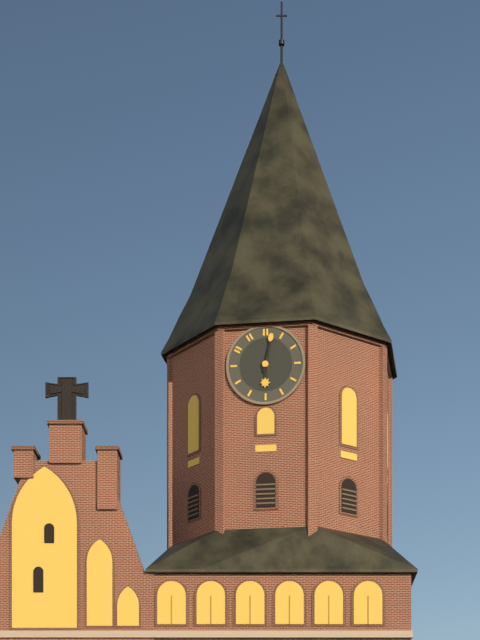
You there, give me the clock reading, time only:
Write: 6:02
